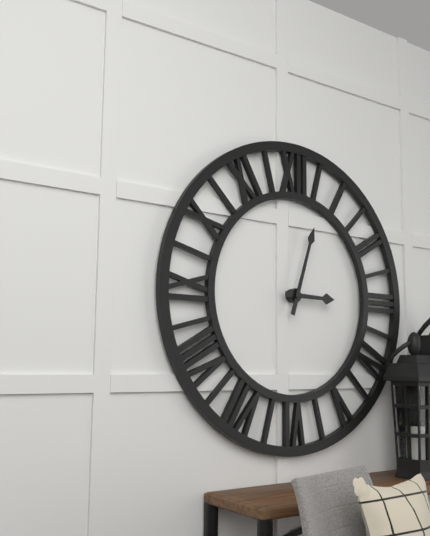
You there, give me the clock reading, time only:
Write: 3:03
